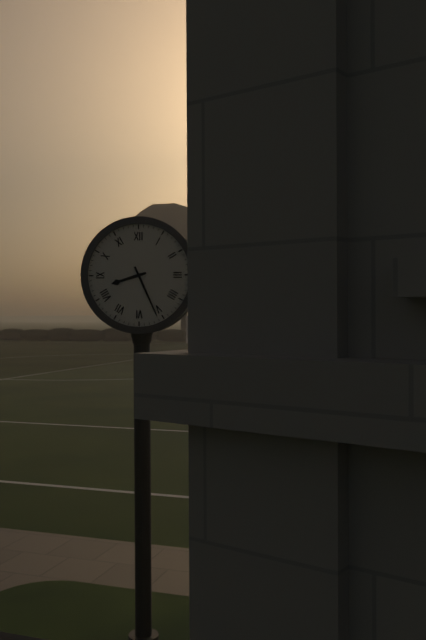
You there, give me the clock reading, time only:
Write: 8:26
